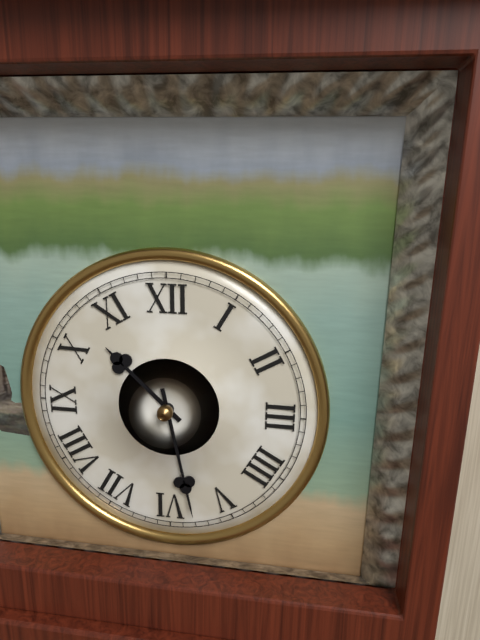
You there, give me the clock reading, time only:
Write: 10:28
